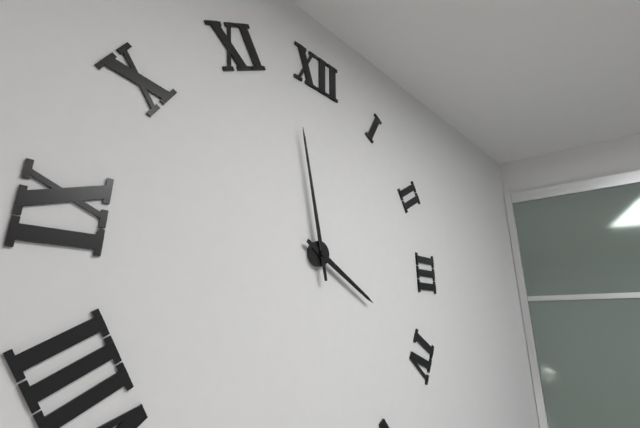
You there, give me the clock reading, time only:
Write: 3:58
